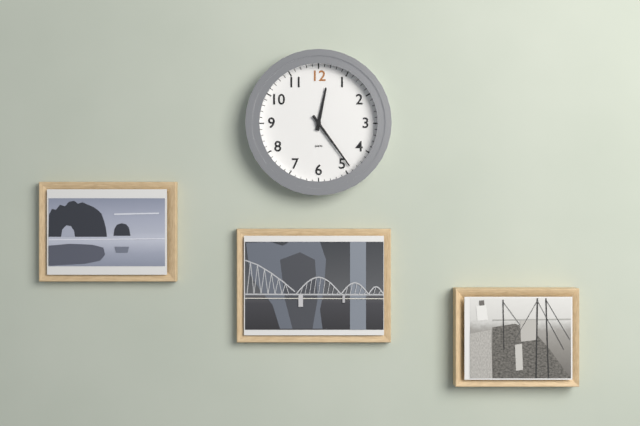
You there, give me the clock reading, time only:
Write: 12:24
